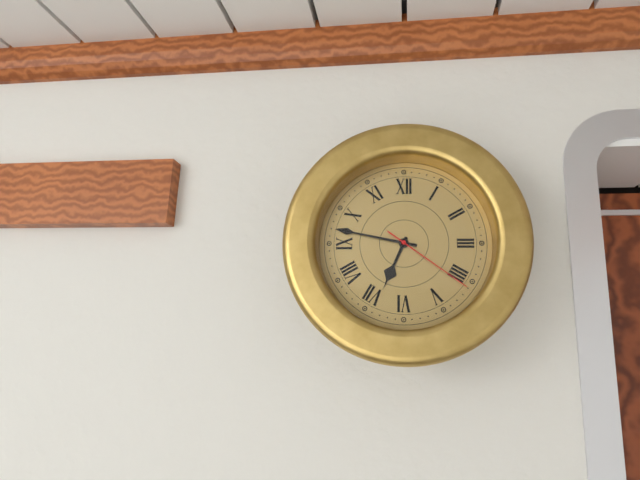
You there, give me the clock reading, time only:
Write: 6:47:21
